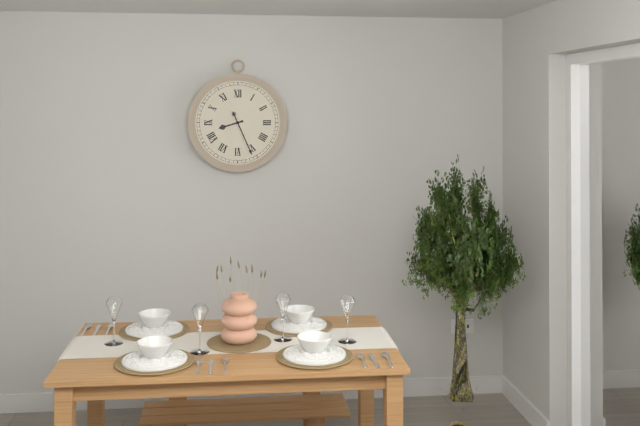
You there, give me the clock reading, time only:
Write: 8:26
